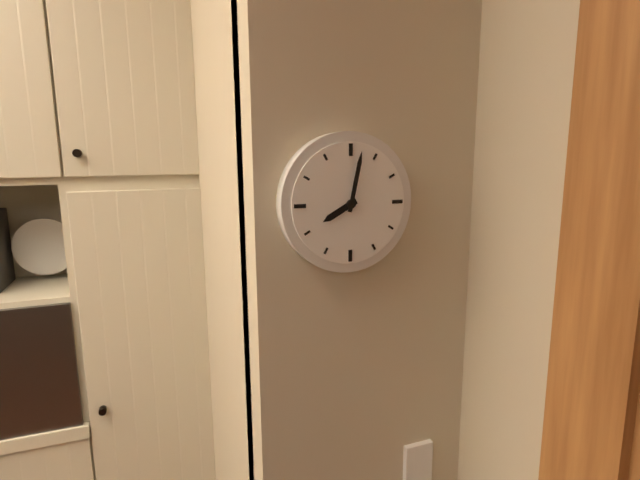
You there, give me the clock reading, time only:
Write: 8:02
